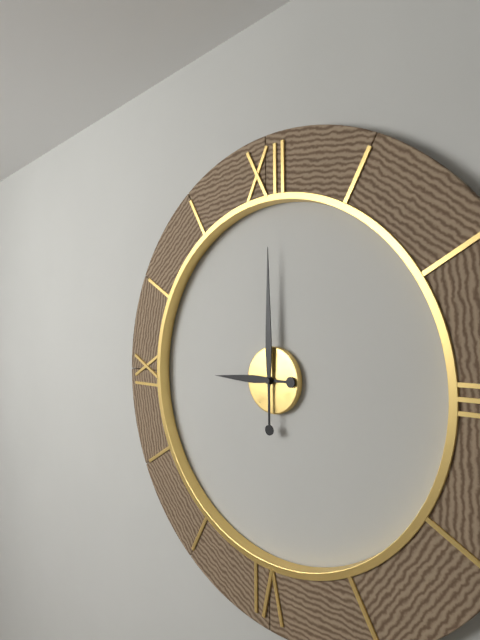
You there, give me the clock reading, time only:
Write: 9:00
